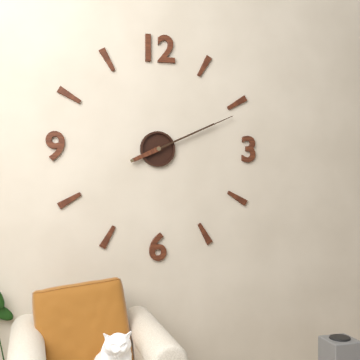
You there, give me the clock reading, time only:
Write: 2:11
